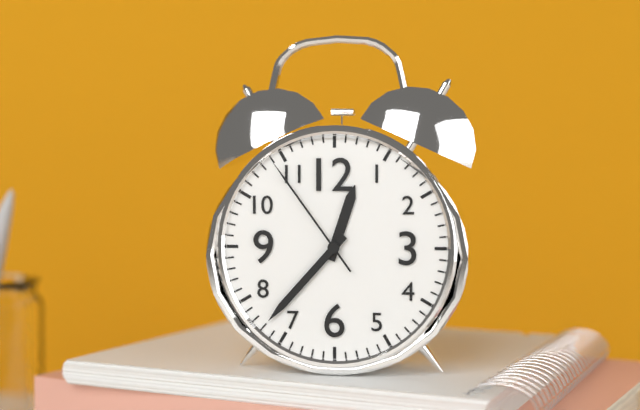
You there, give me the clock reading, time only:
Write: 12:37:54
